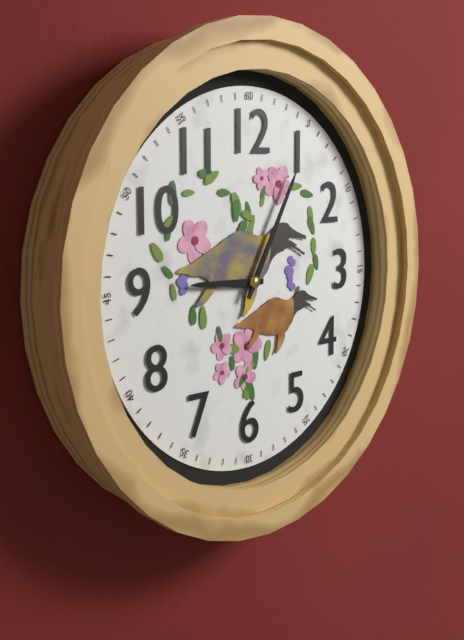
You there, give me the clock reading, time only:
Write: 9:05
